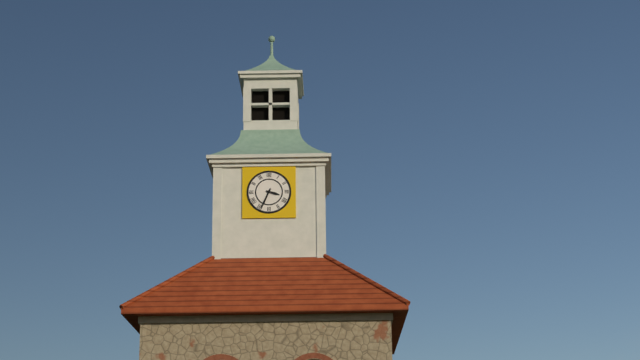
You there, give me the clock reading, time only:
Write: 3:34
